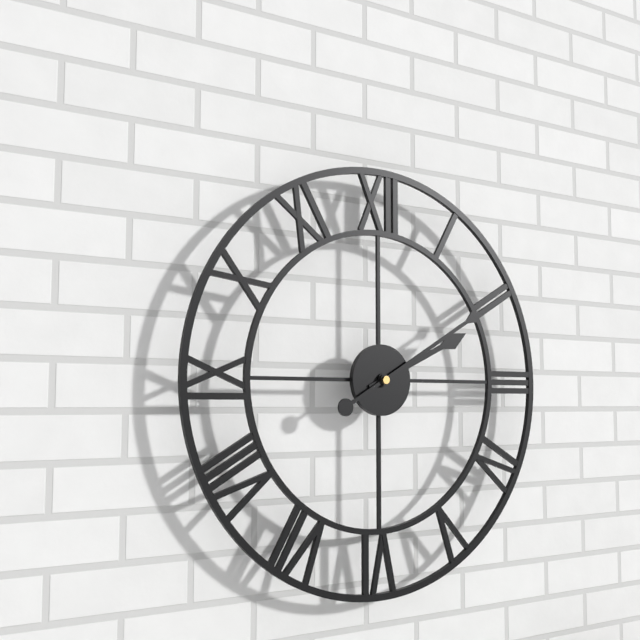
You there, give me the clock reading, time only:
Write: 2:10
